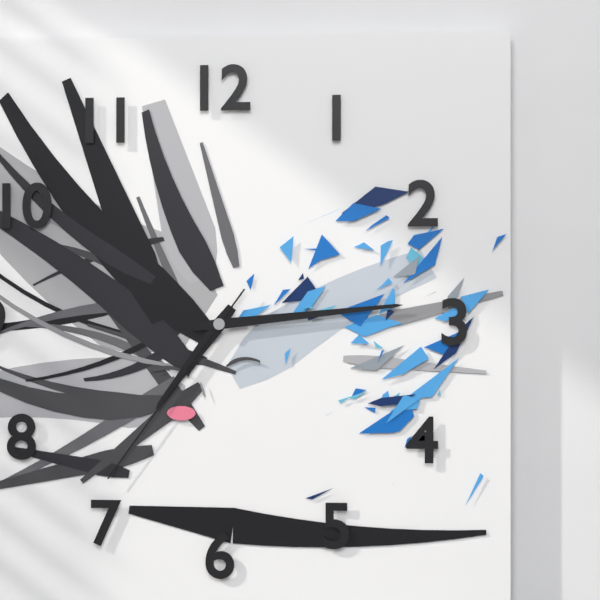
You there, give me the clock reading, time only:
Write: 7:14:36
